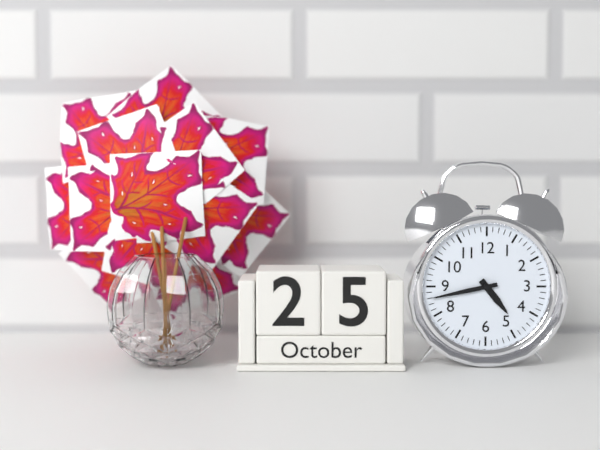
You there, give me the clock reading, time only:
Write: 4:43
